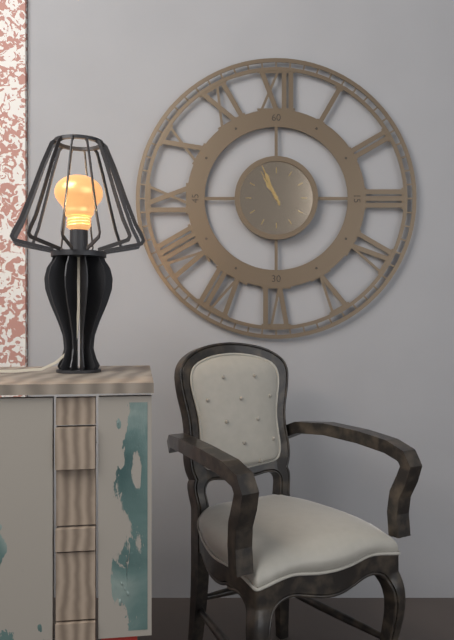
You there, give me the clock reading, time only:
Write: 10:56
